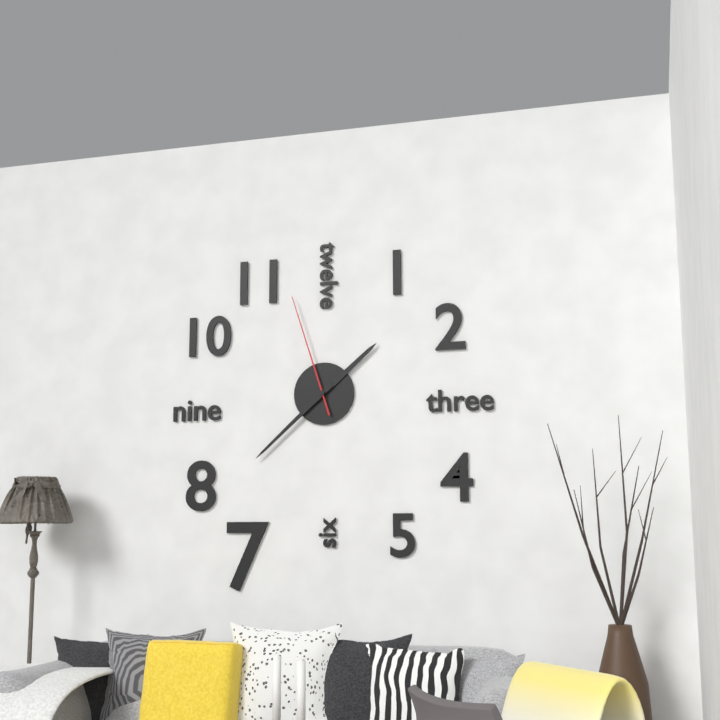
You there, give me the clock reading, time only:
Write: 1:38:57
